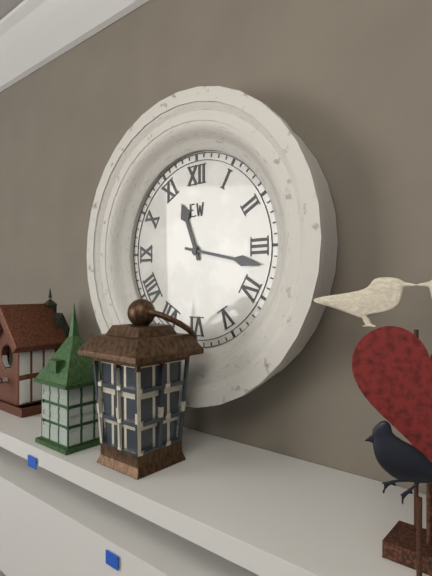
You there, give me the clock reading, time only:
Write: 11:17
